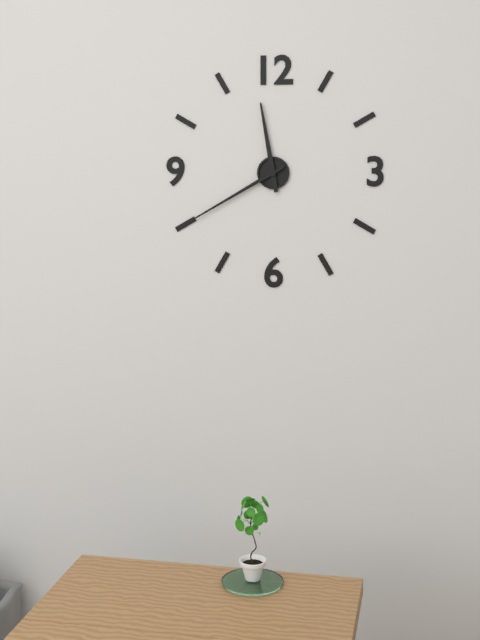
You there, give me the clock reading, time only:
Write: 11:40
